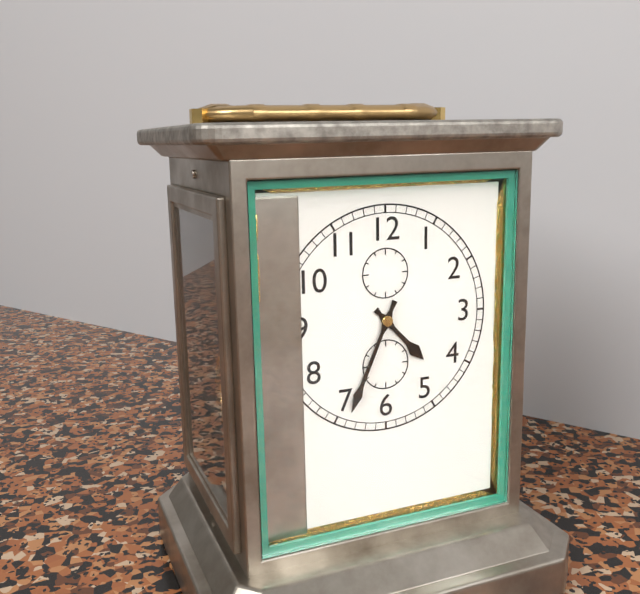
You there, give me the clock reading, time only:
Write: 4:34
